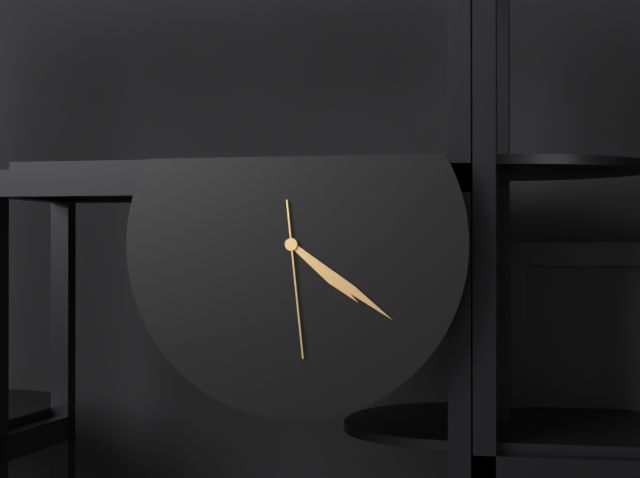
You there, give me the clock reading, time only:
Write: 4:21:29
